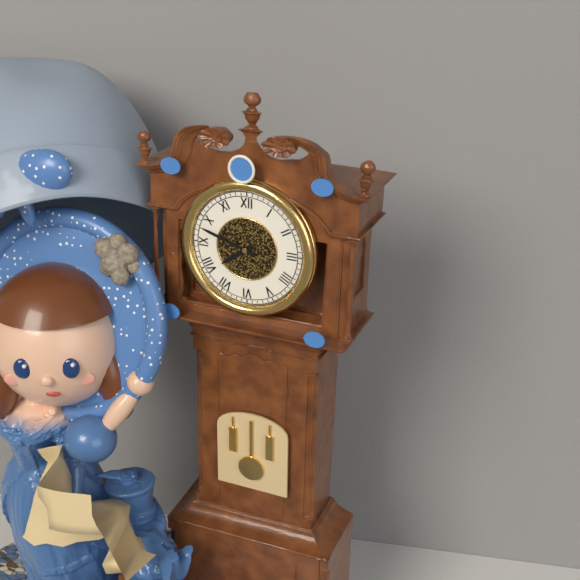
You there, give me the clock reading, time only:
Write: 7:48
